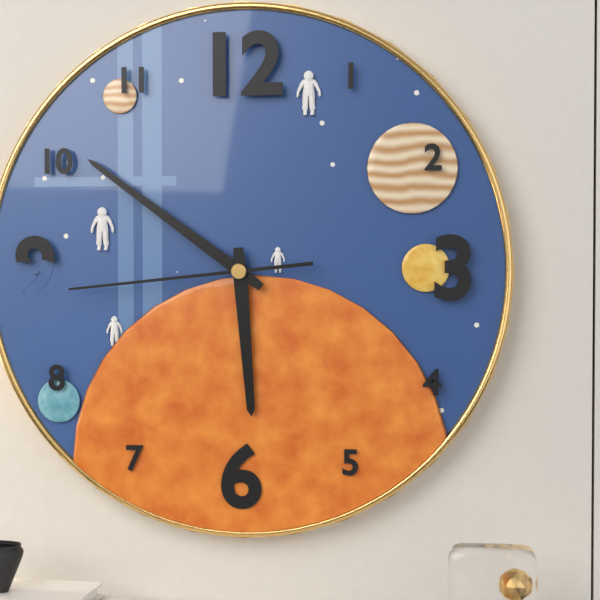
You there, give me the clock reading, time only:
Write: 5:51:44
